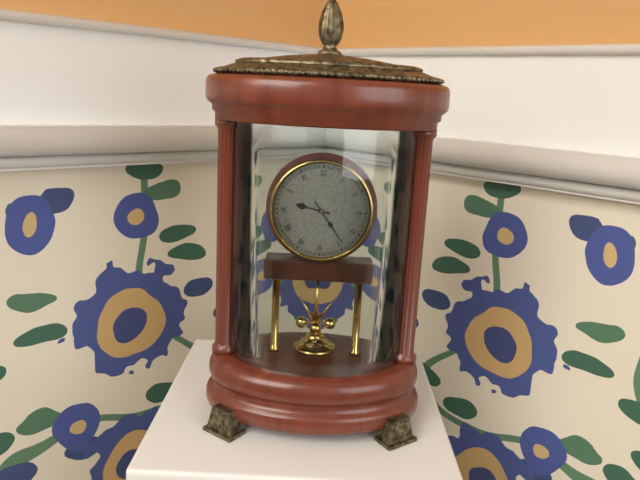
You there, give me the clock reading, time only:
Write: 9:24
